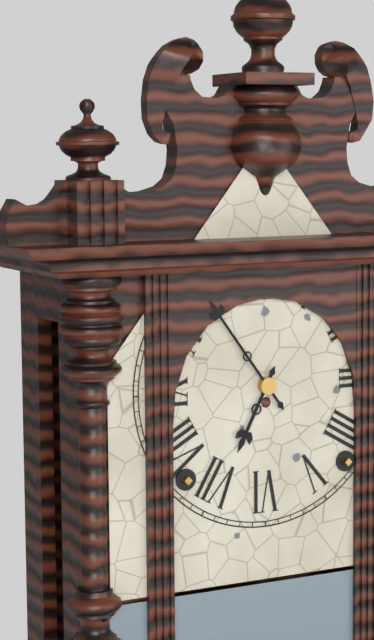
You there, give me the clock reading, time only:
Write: 6:54
